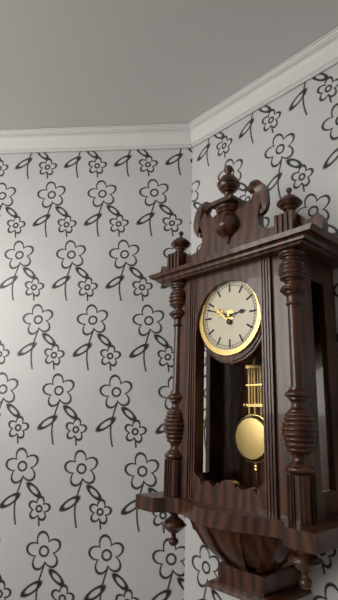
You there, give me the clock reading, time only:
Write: 2:48
